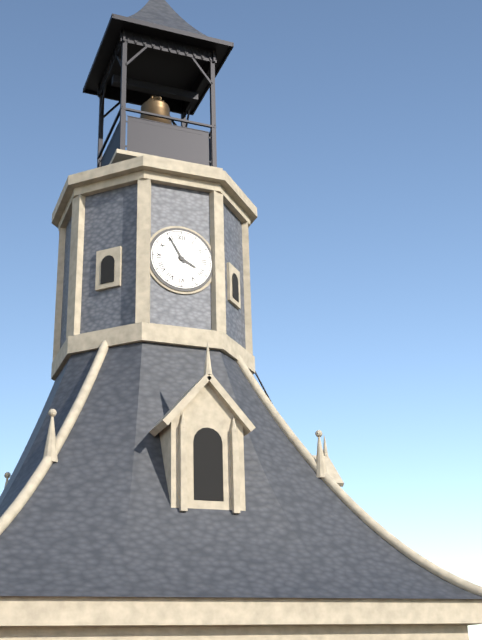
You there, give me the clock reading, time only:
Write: 3:55
